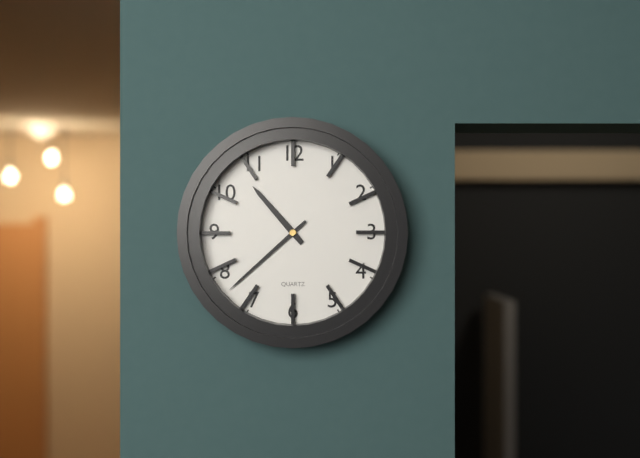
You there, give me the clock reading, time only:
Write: 10:38
